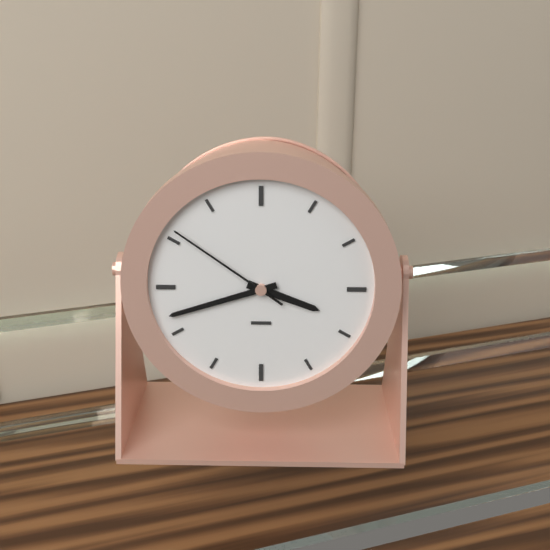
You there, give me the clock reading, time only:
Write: 3:42:51
